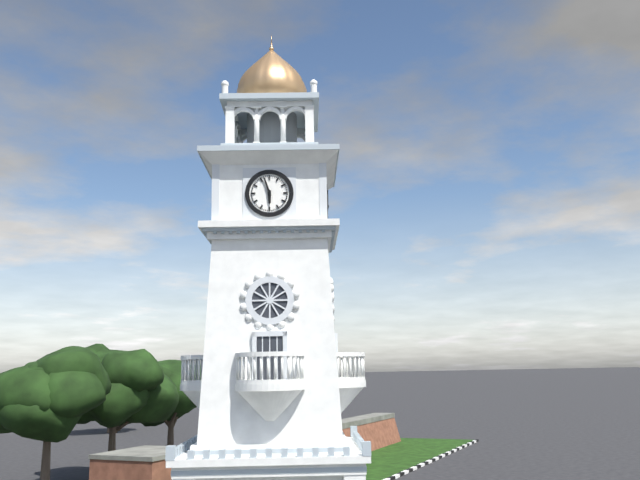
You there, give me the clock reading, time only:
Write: 5:57
